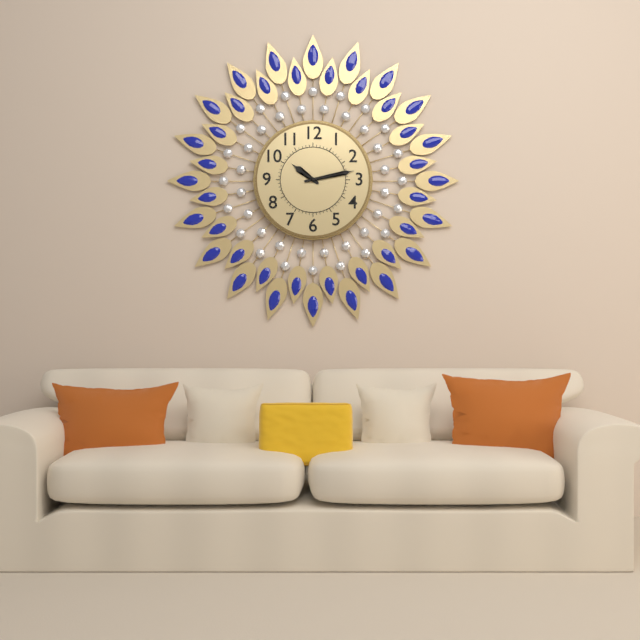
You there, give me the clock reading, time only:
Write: 10:13
